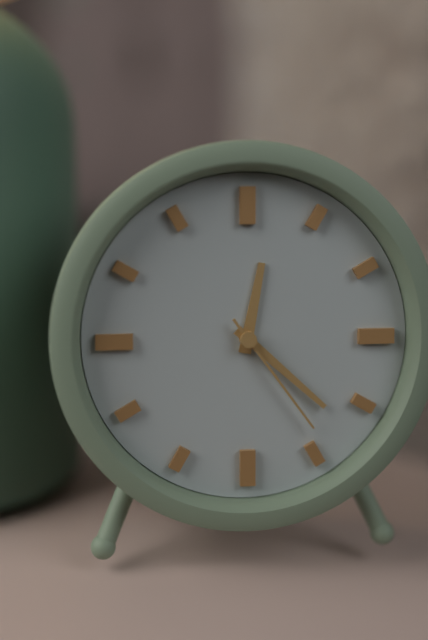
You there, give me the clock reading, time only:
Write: 12:22:24
